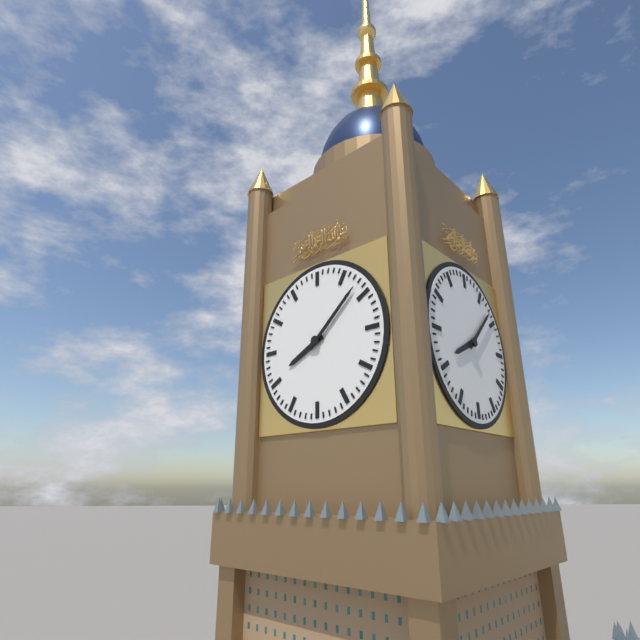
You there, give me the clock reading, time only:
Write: 8:08
